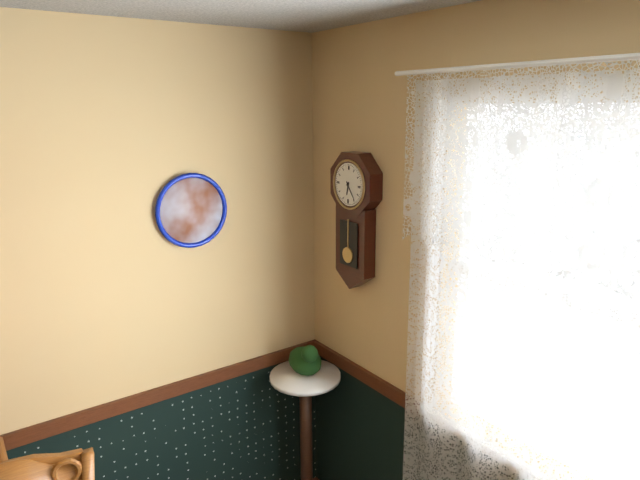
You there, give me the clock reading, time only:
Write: 6:24
